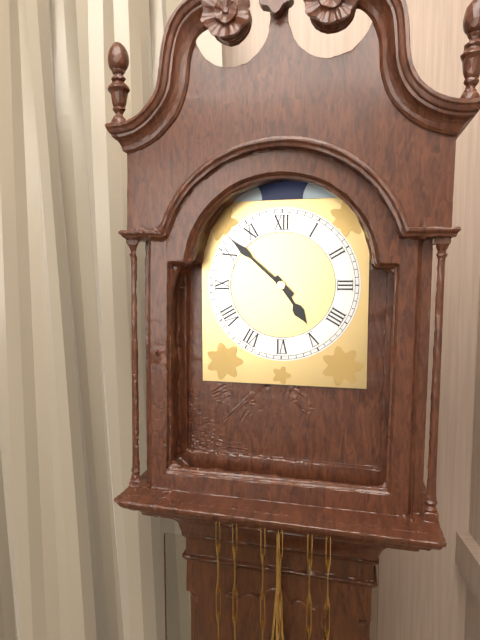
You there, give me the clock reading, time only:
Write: 4:52
